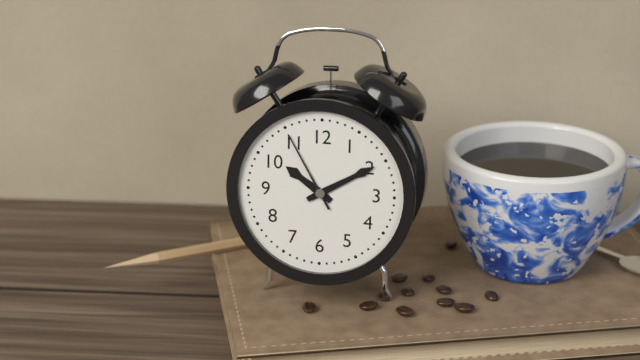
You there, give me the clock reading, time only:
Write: 10:10:55
